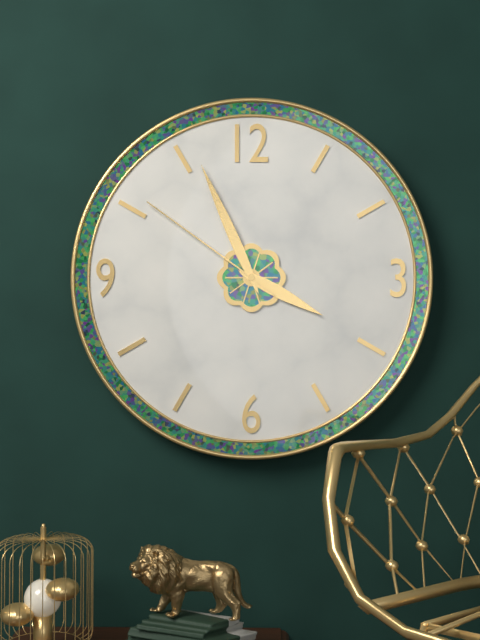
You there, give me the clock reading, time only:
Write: 3:56:51
